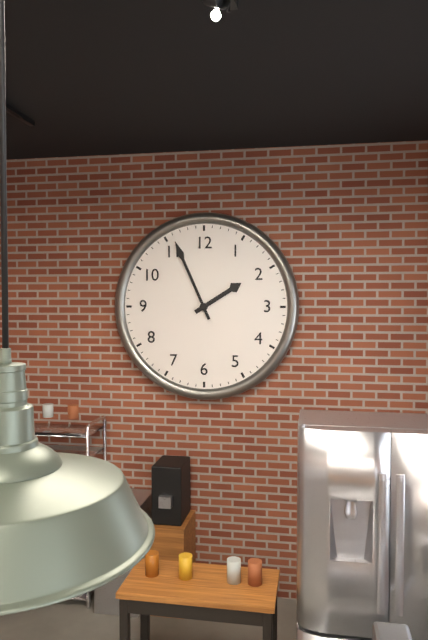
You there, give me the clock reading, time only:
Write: 1:56
